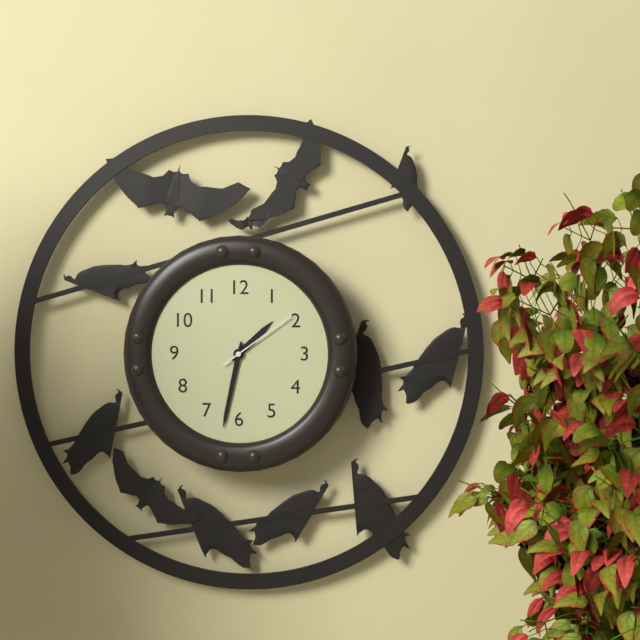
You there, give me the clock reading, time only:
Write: 1:32:09
